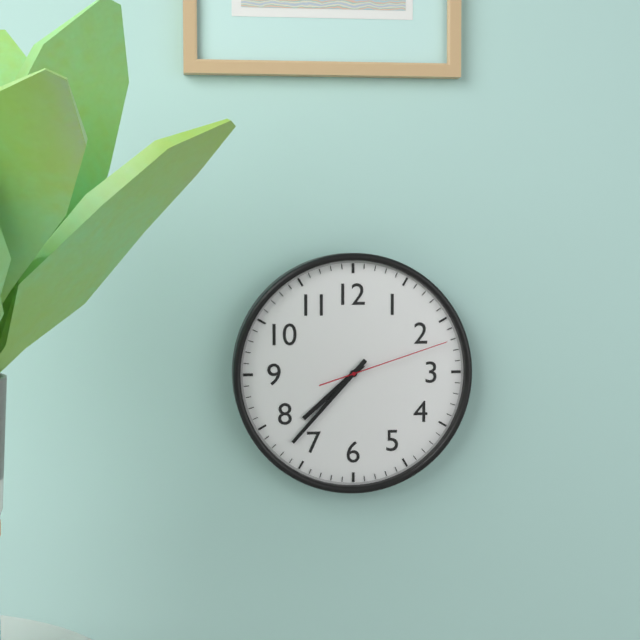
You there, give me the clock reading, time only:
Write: 7:37:12
